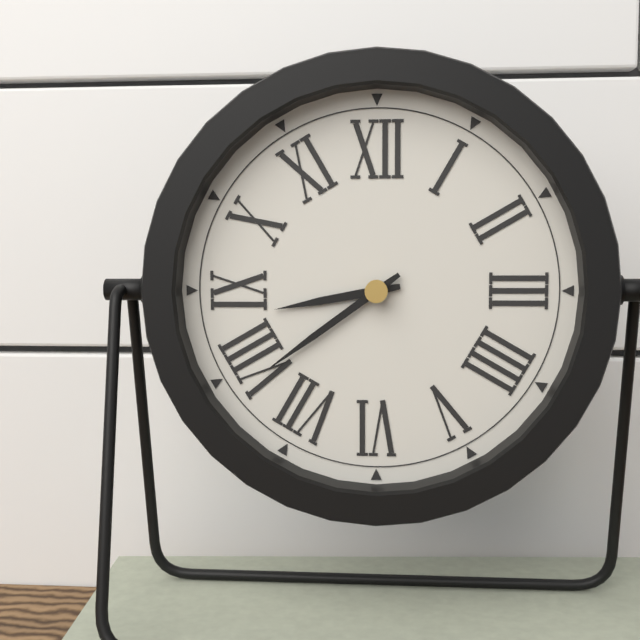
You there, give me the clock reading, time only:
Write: 8:39
